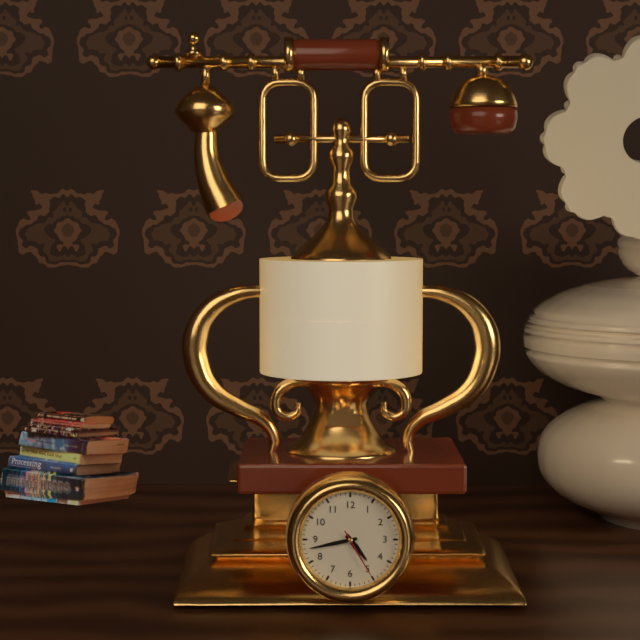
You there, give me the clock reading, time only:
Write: 4:43:25
